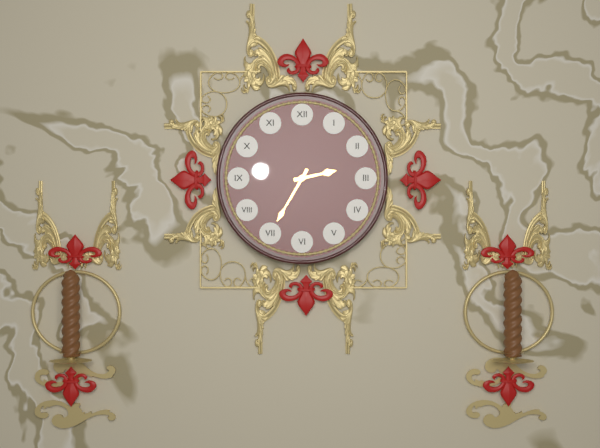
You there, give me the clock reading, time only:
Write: 2:35
